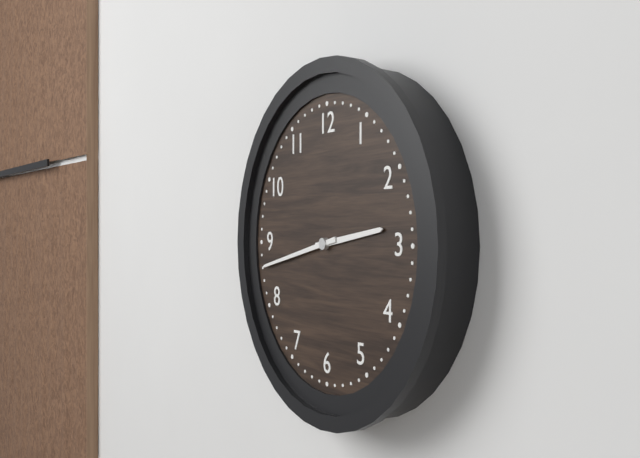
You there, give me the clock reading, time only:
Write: 2:43
